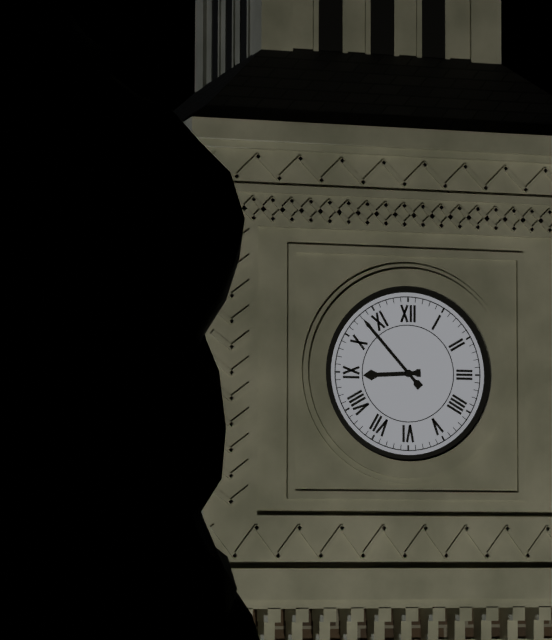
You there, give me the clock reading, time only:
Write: 8:53
